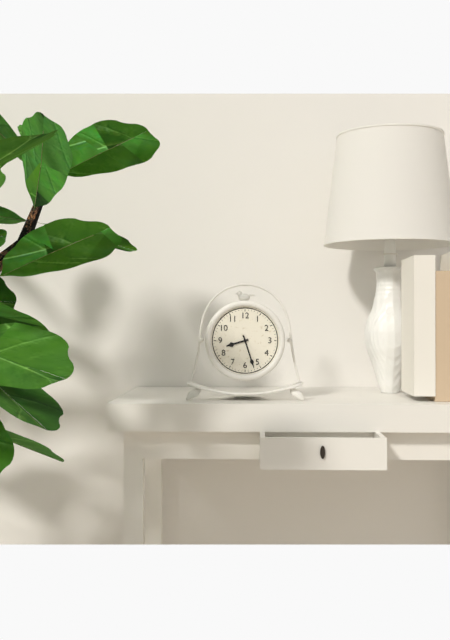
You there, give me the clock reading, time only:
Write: 8:27
